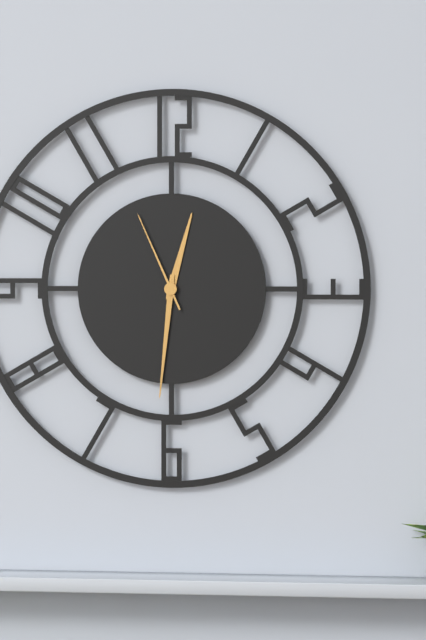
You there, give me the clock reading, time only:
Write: 12:31:56
